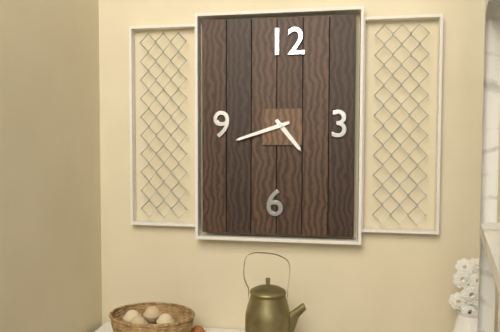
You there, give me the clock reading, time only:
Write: 4:42
